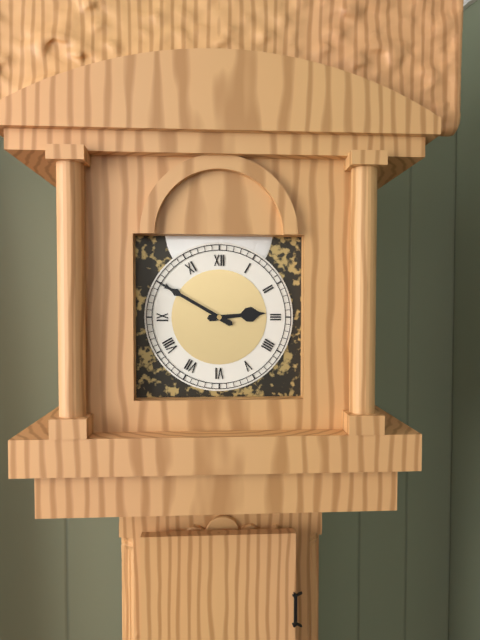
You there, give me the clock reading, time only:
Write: 2:50
